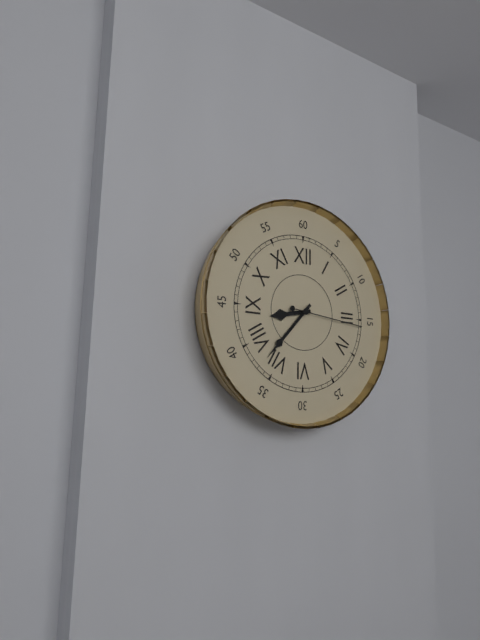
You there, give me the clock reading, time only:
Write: 8:37:16
